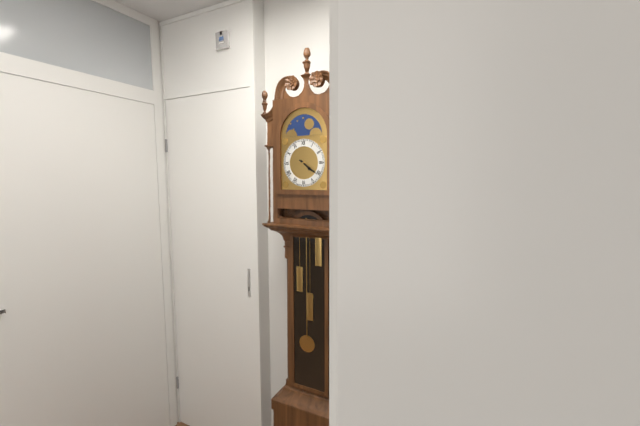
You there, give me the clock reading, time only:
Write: 4:21
